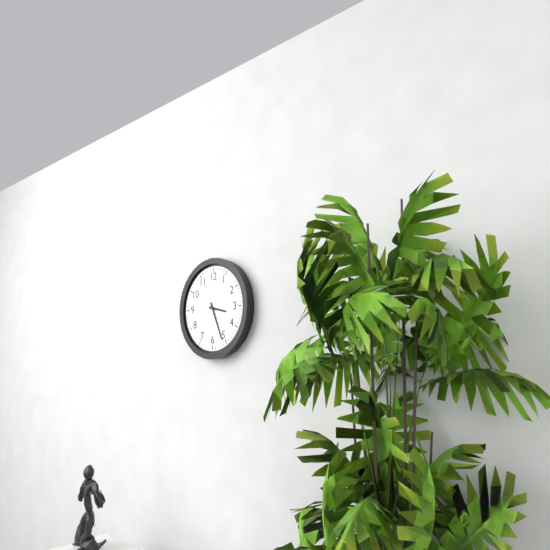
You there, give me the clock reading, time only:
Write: 3:26
